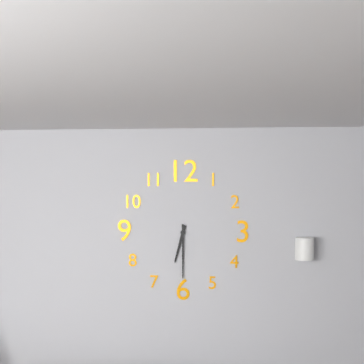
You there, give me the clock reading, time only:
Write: 6:30
